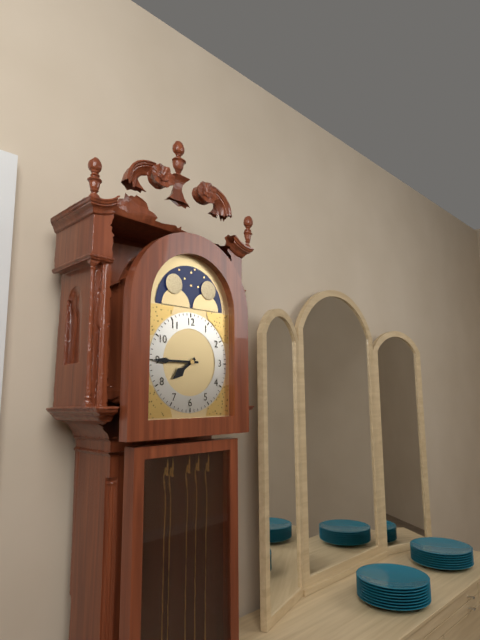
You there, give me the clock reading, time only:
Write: 7:45
